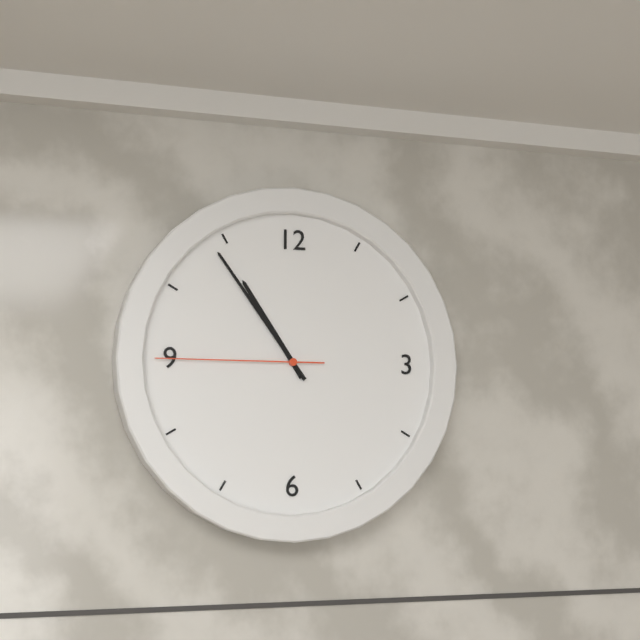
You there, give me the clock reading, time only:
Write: 10:54:45
